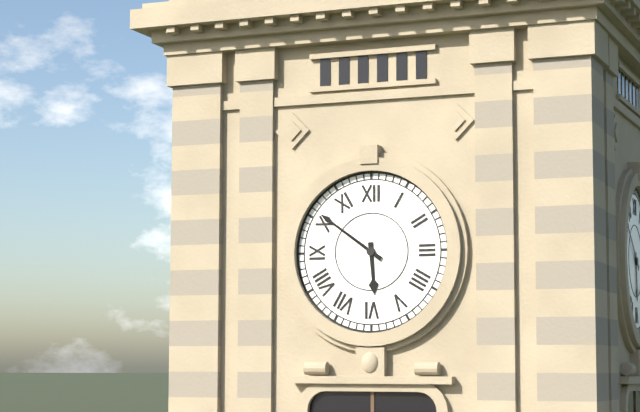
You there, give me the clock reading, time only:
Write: 5:51
